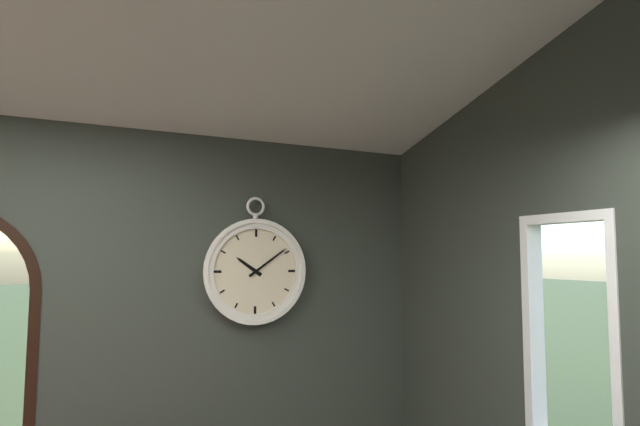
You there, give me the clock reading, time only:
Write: 10:09
